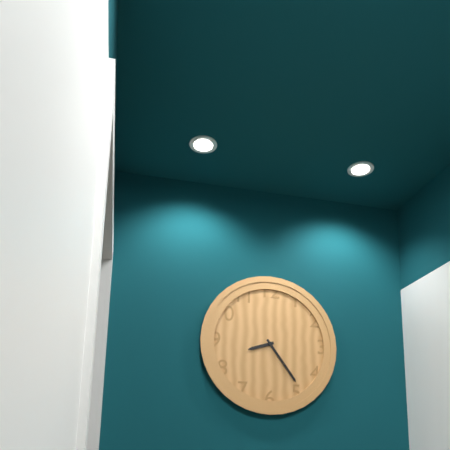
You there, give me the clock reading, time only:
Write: 8:24
